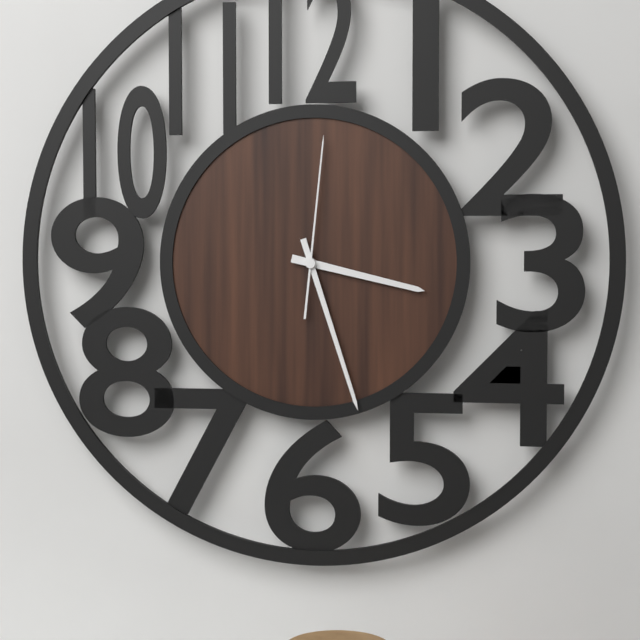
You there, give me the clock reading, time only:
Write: 3:27:01
